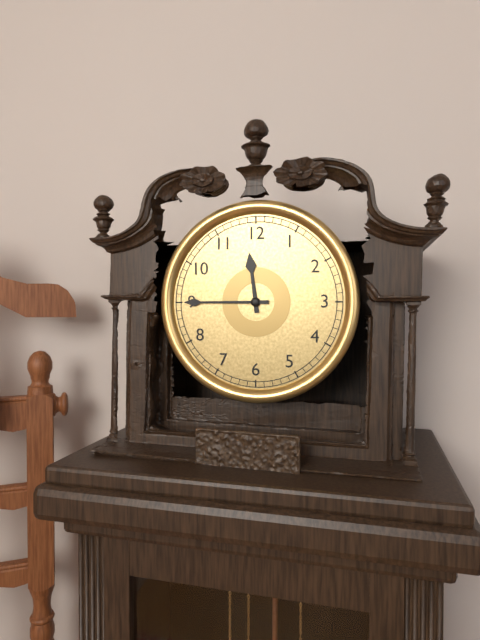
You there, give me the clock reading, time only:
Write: 11:45
